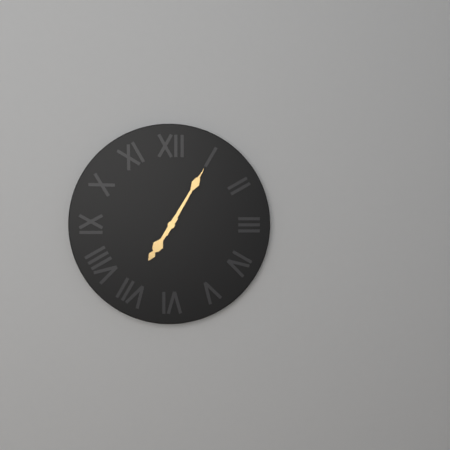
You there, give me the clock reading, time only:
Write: 7:05
